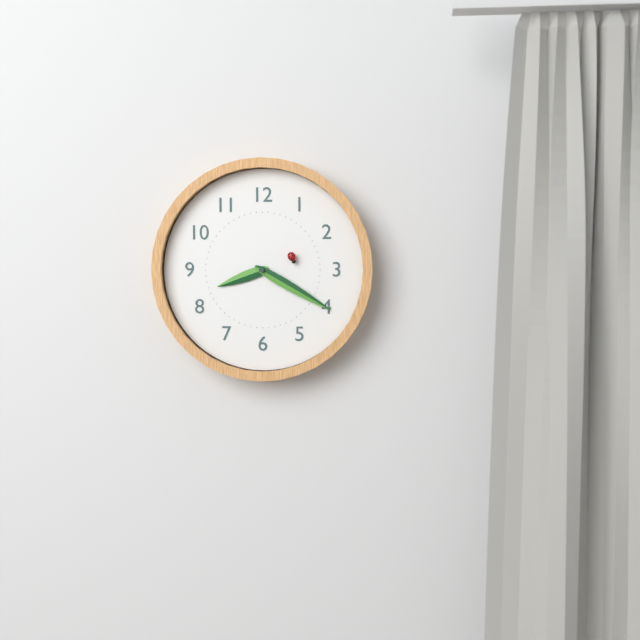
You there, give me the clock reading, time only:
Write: 8:20
